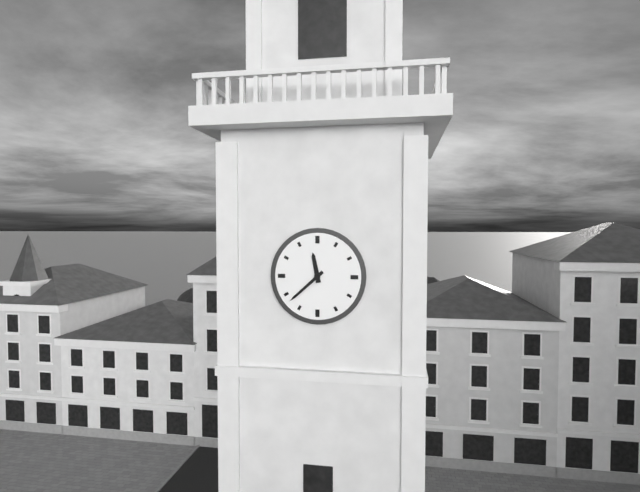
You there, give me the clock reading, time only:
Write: 11:38
